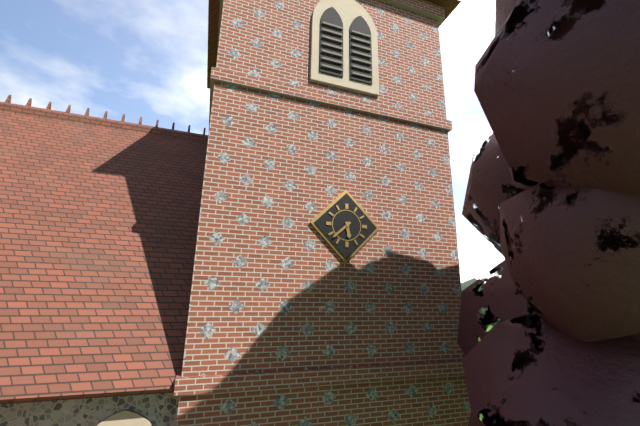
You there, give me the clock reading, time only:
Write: 5:38
